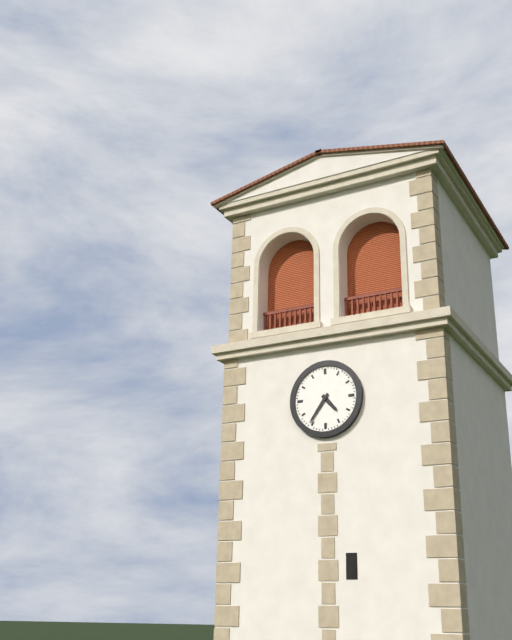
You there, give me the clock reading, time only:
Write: 4:36
